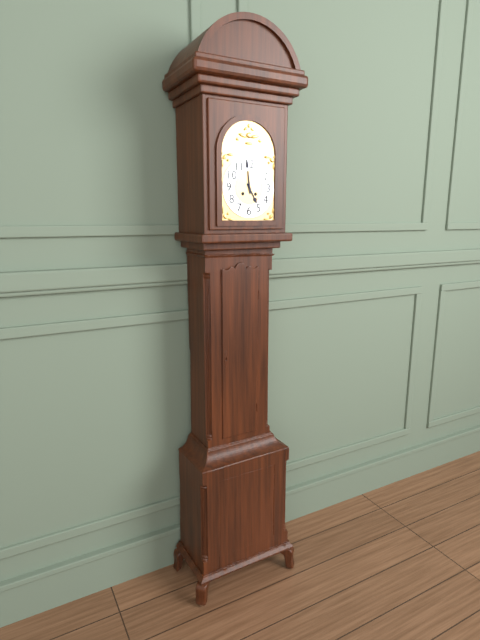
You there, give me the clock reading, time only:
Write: 4:59
